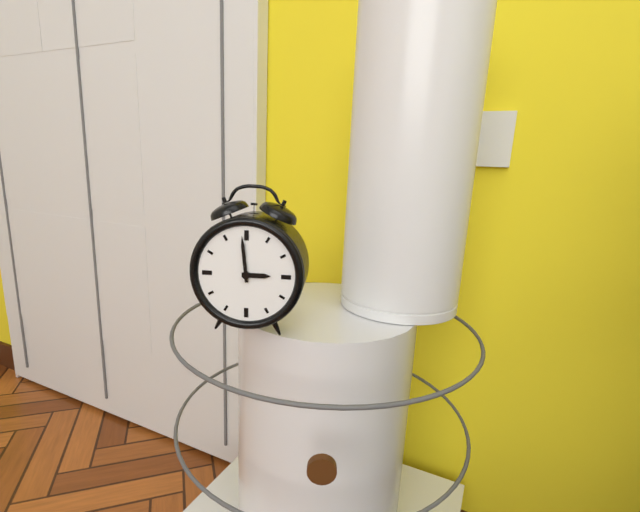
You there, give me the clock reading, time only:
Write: 2:59
